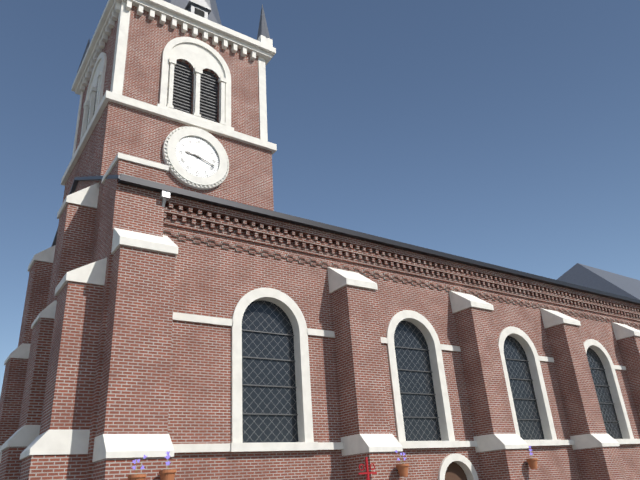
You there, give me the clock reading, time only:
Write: 9:18
